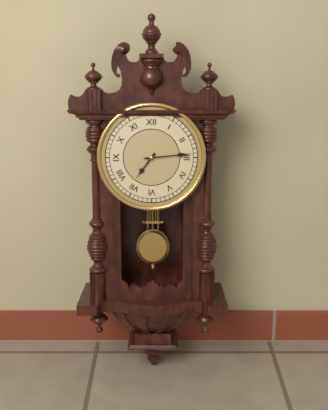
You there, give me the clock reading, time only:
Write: 7:14
